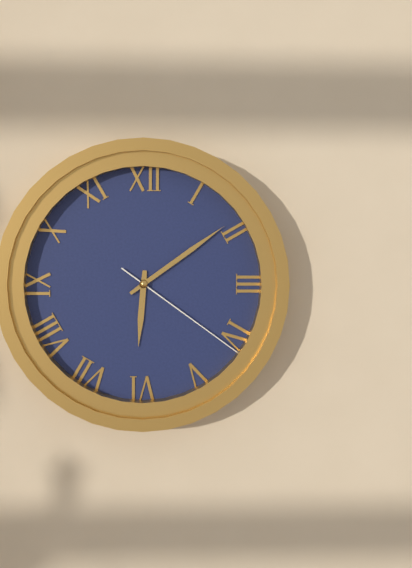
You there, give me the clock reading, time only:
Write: 6:09:21
